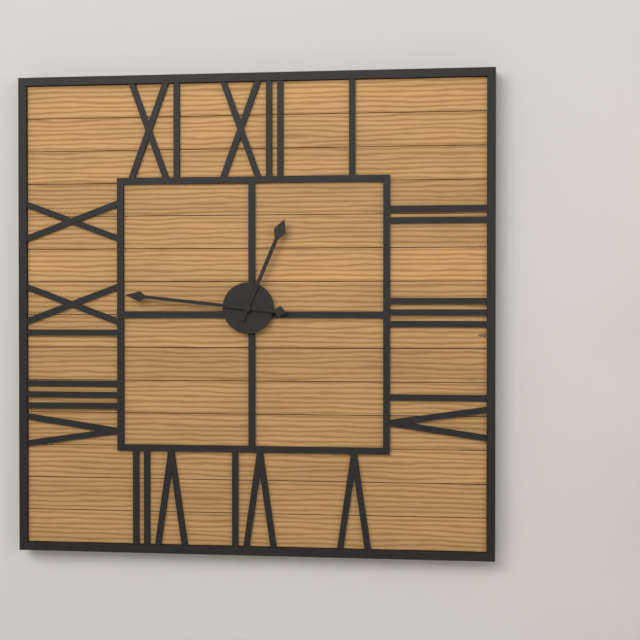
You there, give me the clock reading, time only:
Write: 12:46
